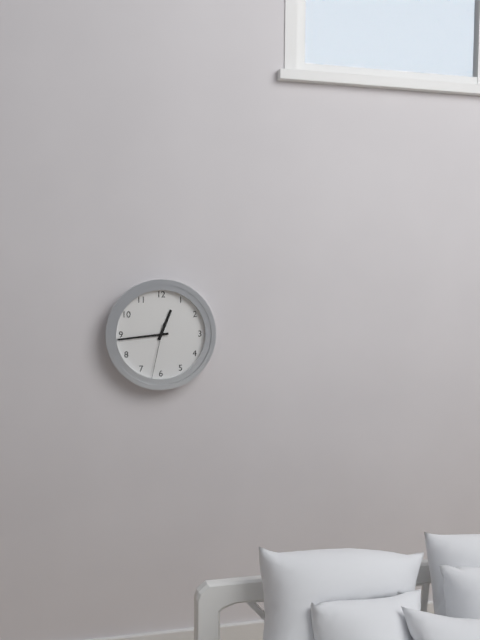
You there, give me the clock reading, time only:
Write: 12:44:32
